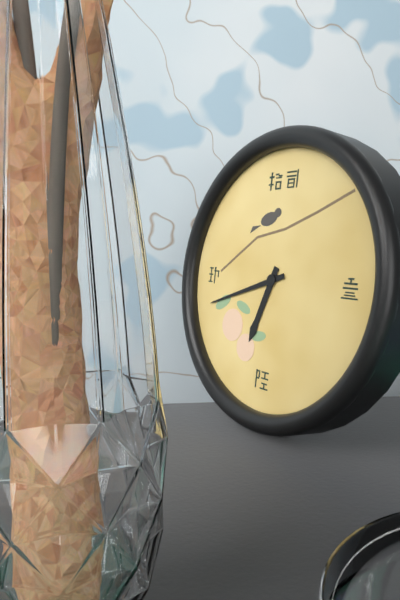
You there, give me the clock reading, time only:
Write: 6:42
